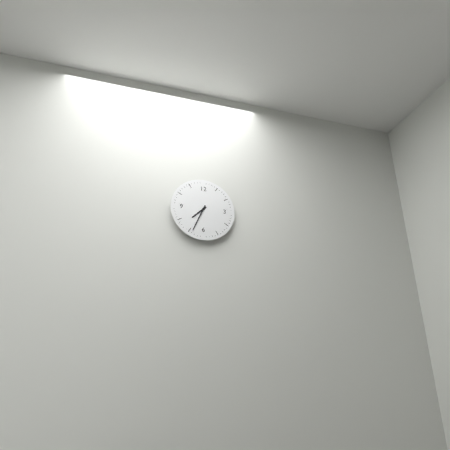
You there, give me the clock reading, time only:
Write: 7:34
